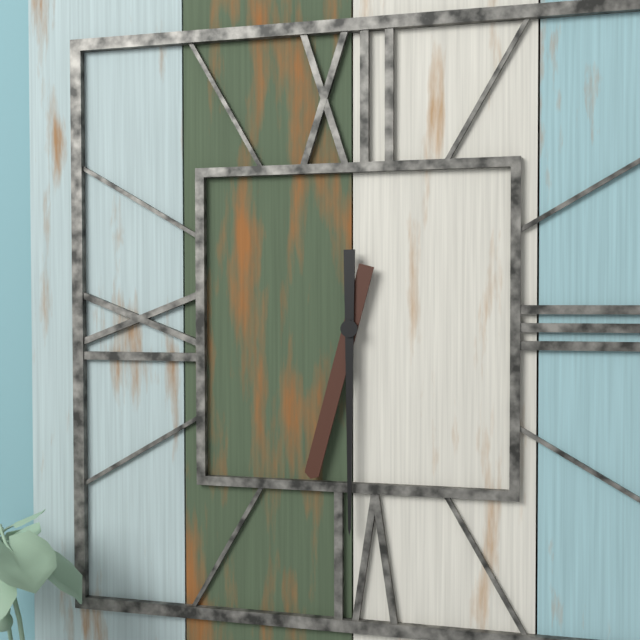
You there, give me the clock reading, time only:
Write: 6:30
